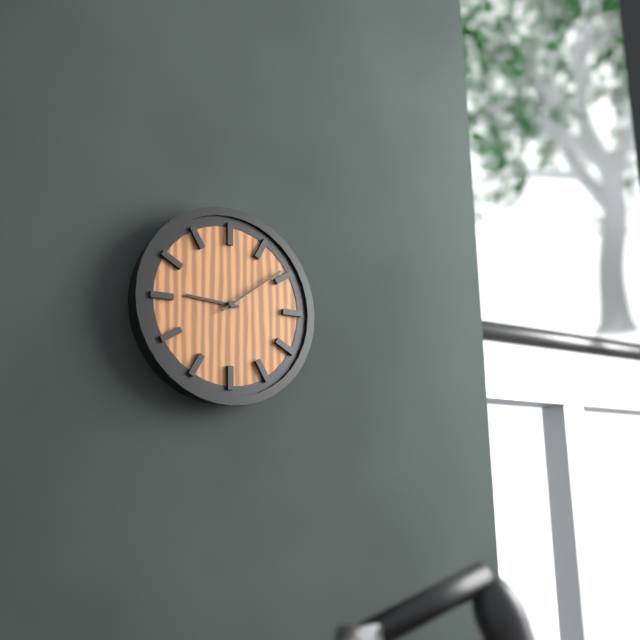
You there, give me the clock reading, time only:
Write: 9:09
